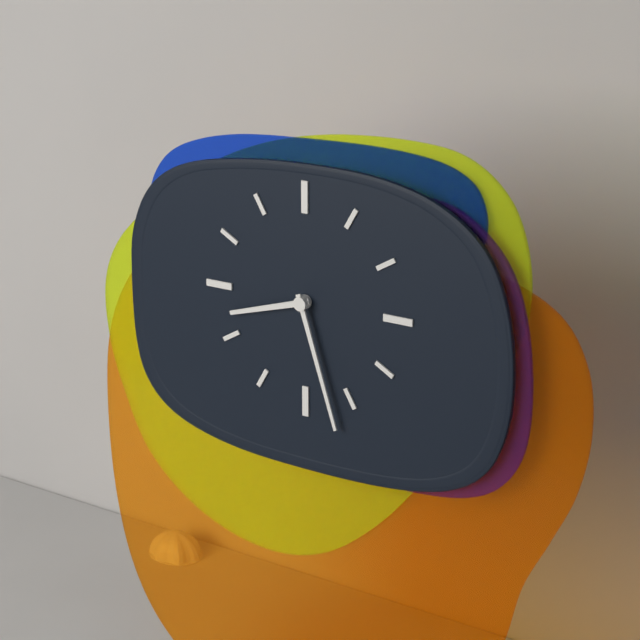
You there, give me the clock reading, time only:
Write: 8:27
